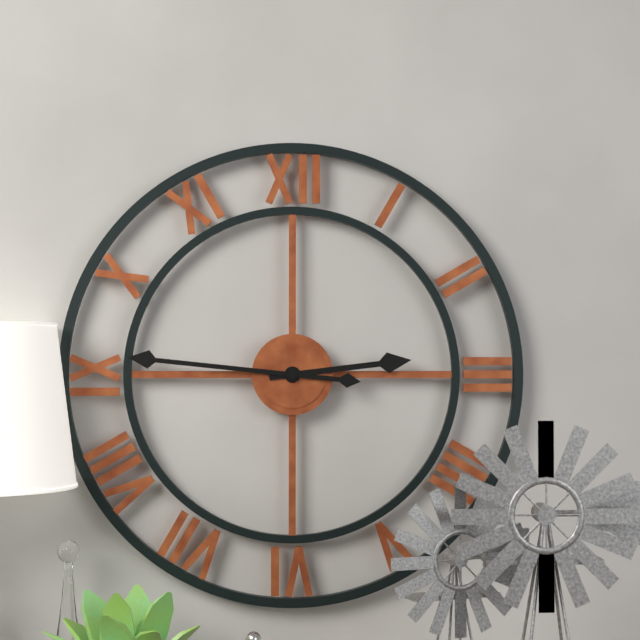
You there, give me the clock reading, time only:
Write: 2:46
